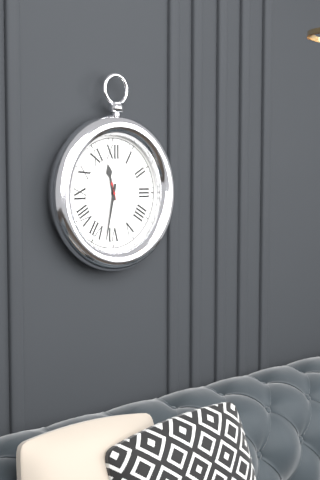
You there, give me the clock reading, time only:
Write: 11:32:27
